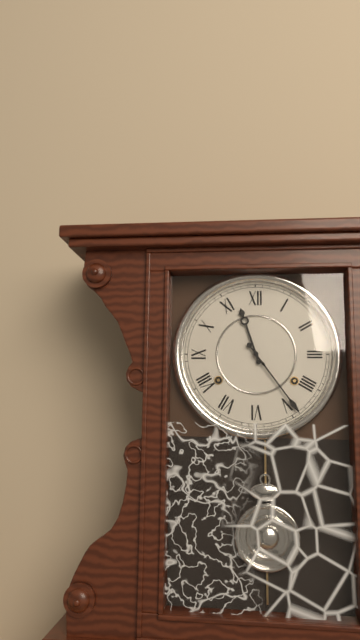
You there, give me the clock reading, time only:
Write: 11:24
